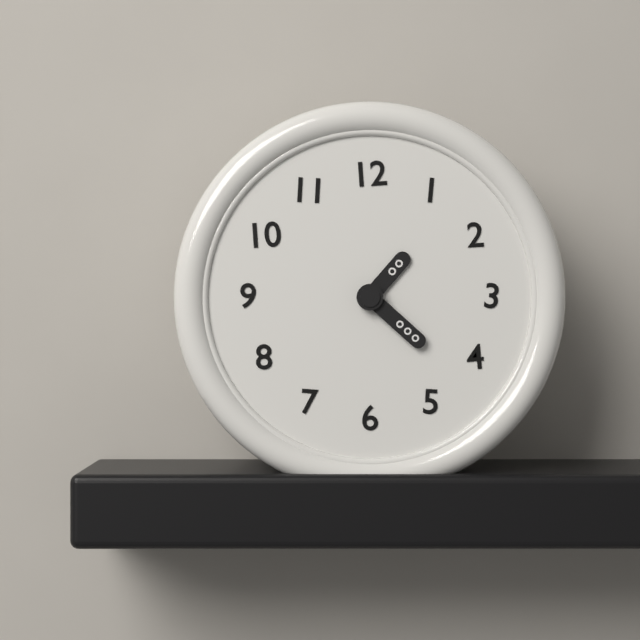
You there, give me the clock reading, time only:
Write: 1:22
